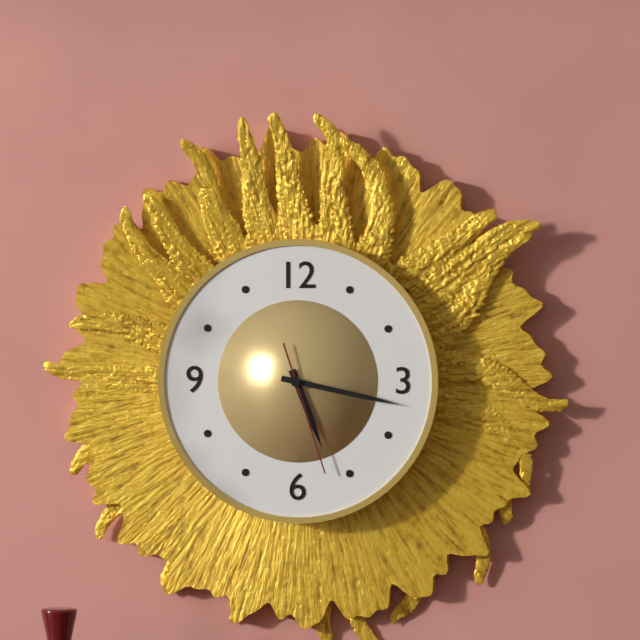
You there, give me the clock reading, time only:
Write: 5:17:27
